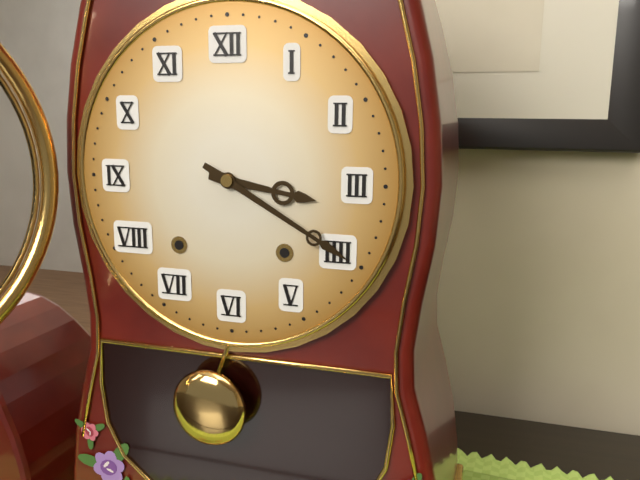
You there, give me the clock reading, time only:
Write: 3:20
